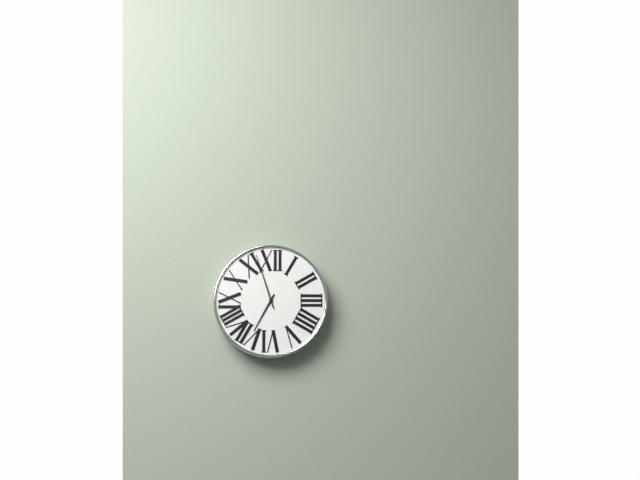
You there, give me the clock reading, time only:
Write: 6:57
